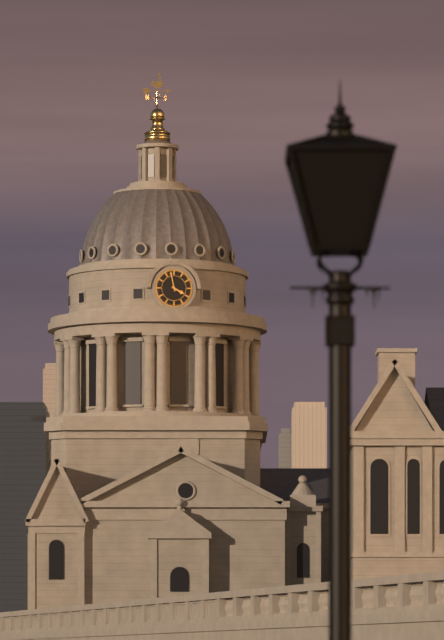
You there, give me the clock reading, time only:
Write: 3:58
